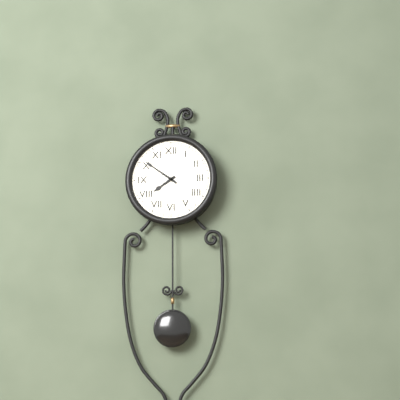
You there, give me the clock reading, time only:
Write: 7:51
